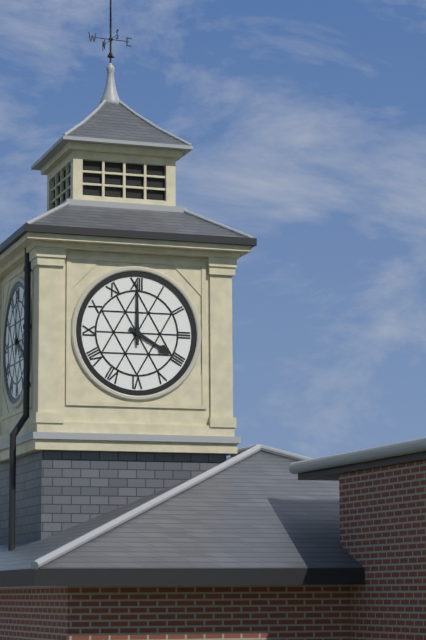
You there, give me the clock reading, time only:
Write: 4:00
